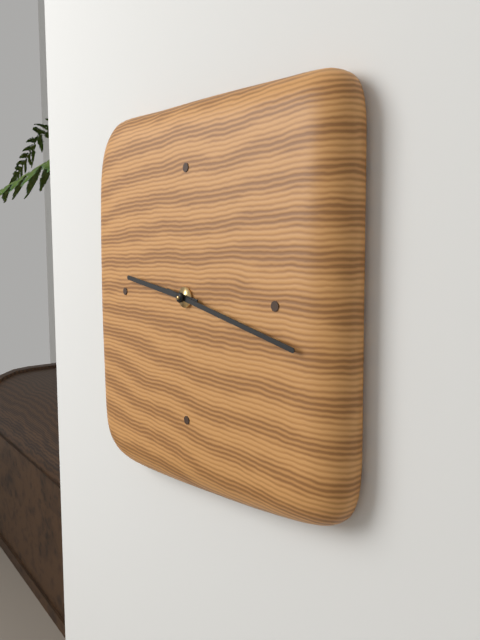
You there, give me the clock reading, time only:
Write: 9:17
